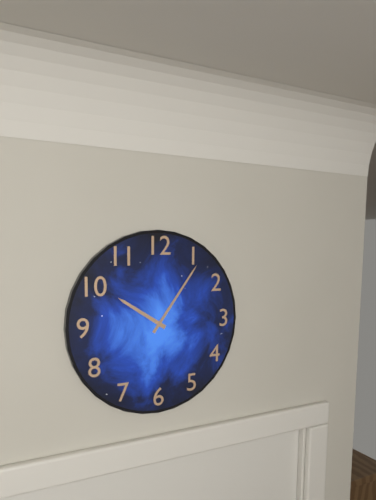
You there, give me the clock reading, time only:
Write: 10:06
